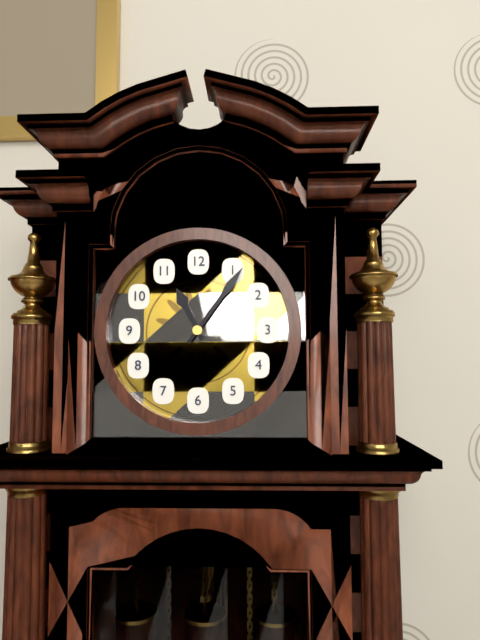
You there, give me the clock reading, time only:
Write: 11:06
